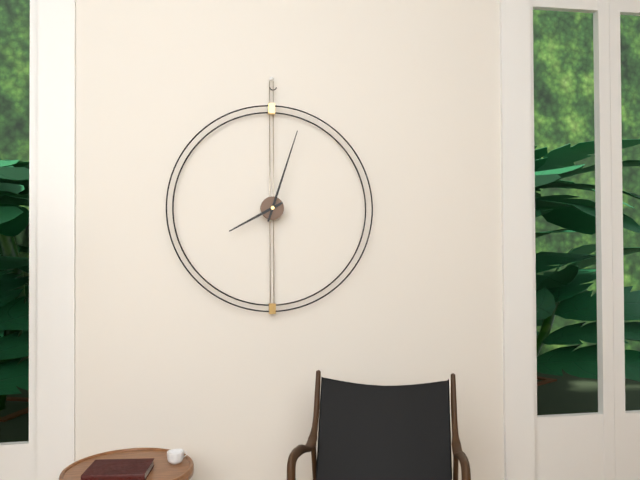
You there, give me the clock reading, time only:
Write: 8:03
